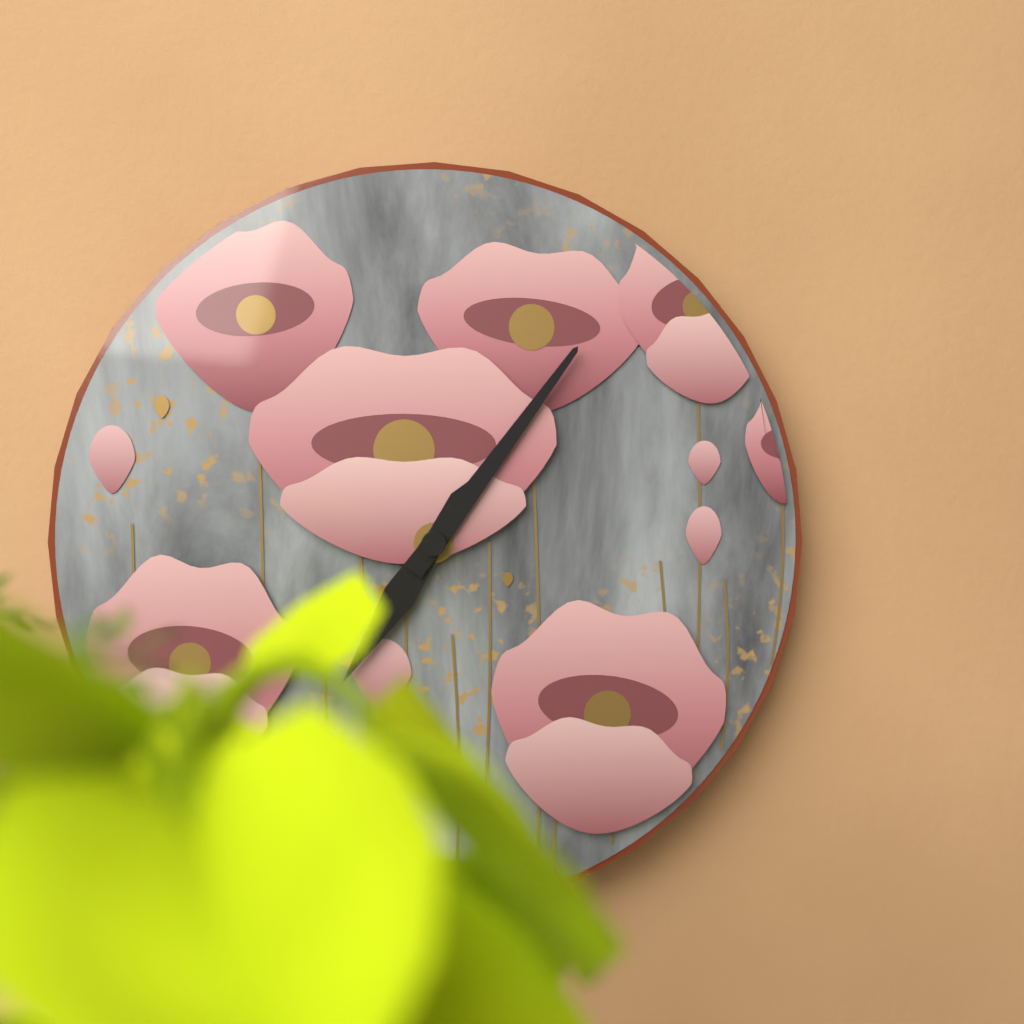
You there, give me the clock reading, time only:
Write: 7:06
